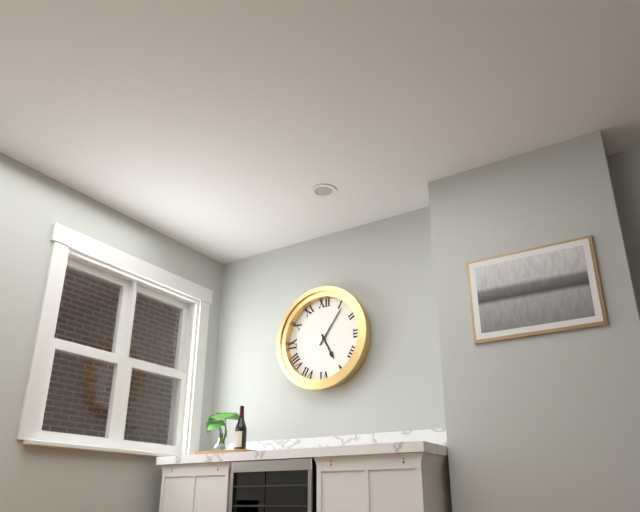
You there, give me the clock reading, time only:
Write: 5:06
